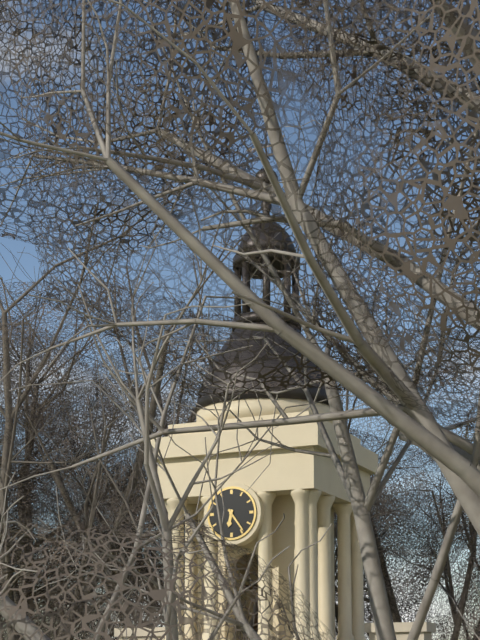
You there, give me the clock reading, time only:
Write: 6:24
